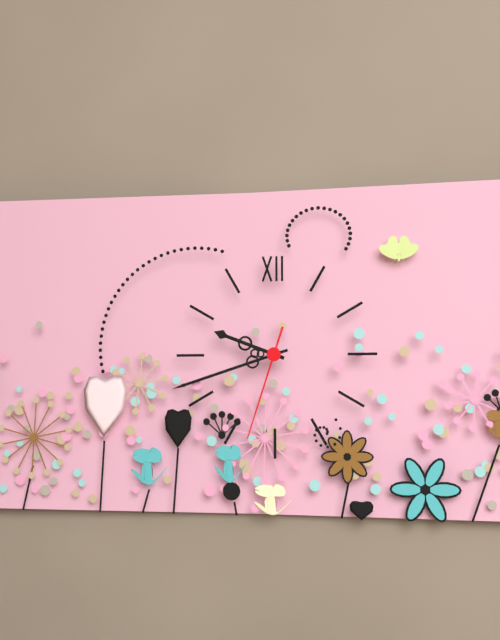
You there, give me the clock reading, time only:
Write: 9:42:33
